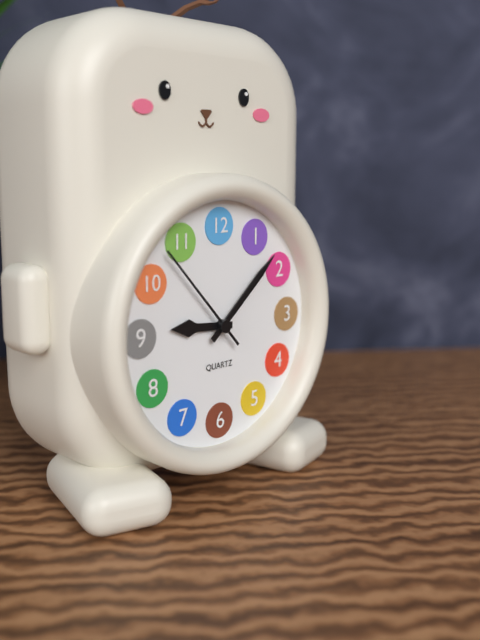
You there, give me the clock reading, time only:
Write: 9:08:53
